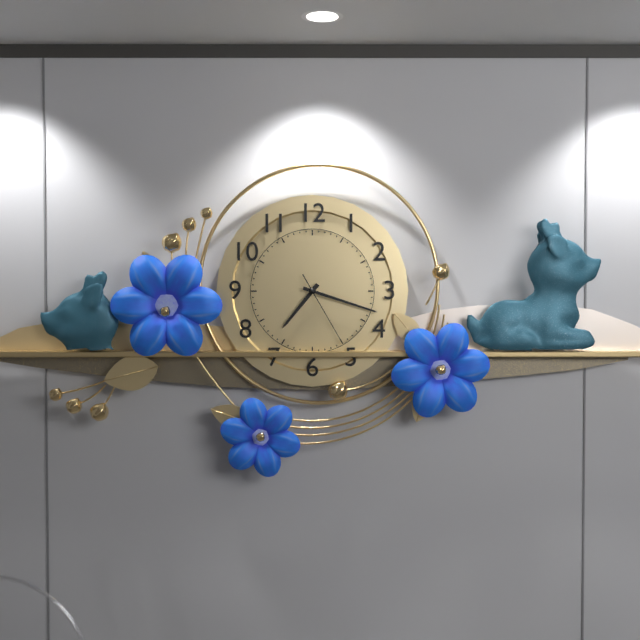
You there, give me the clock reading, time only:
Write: 7:18:25
